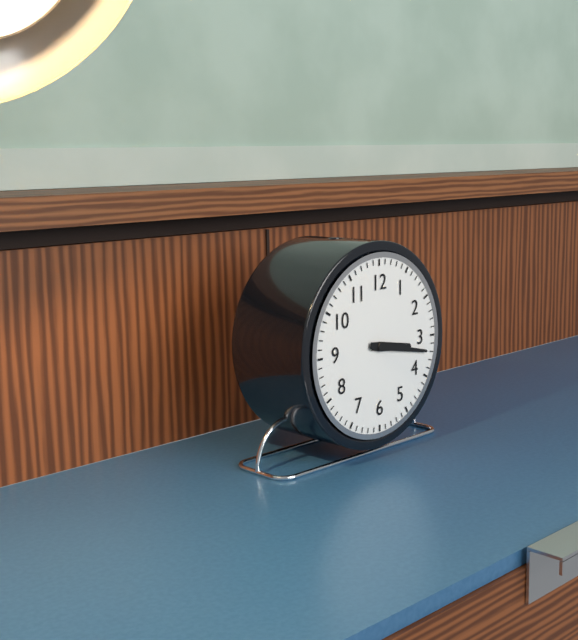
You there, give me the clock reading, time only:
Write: 3:17
